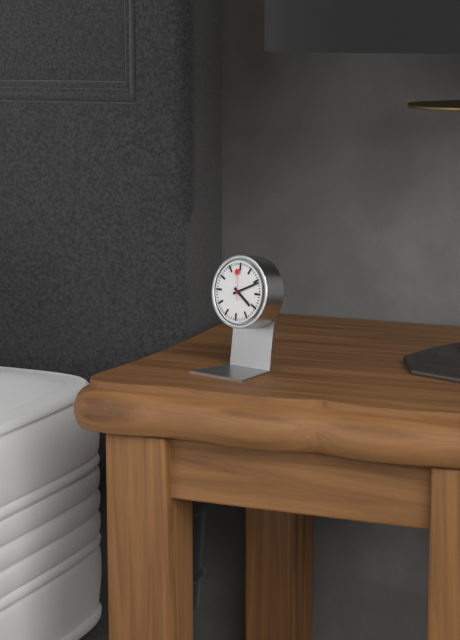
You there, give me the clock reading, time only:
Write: 4:11
